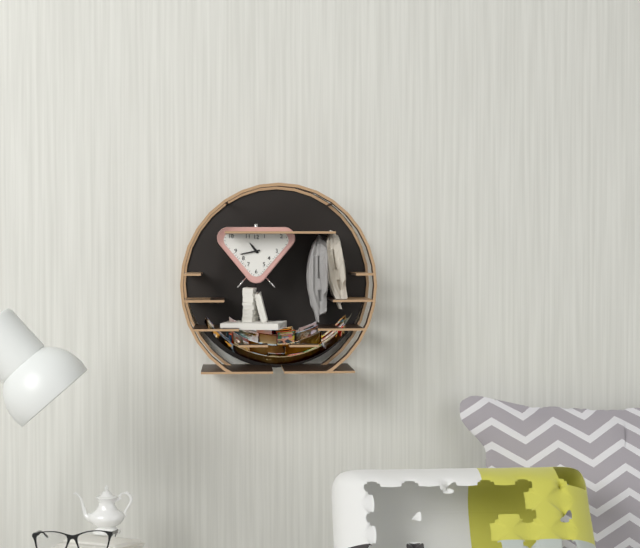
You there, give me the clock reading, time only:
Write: 10:43
